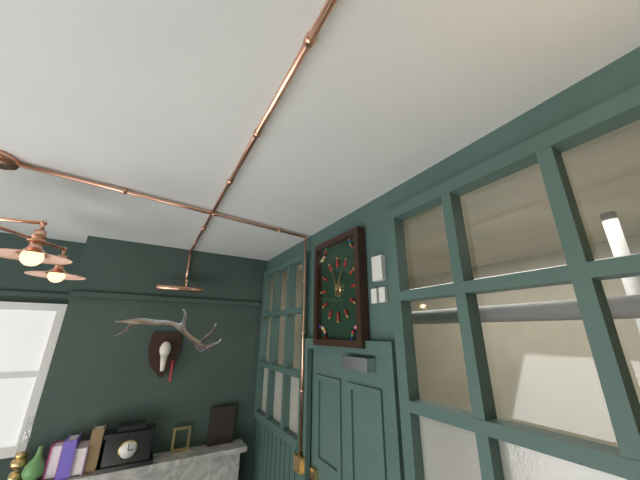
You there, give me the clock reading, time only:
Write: 12:57
